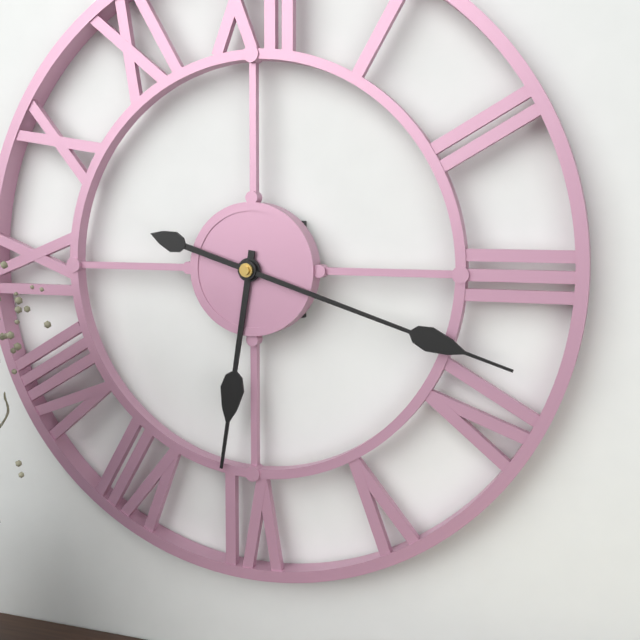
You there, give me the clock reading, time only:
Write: 6:18
